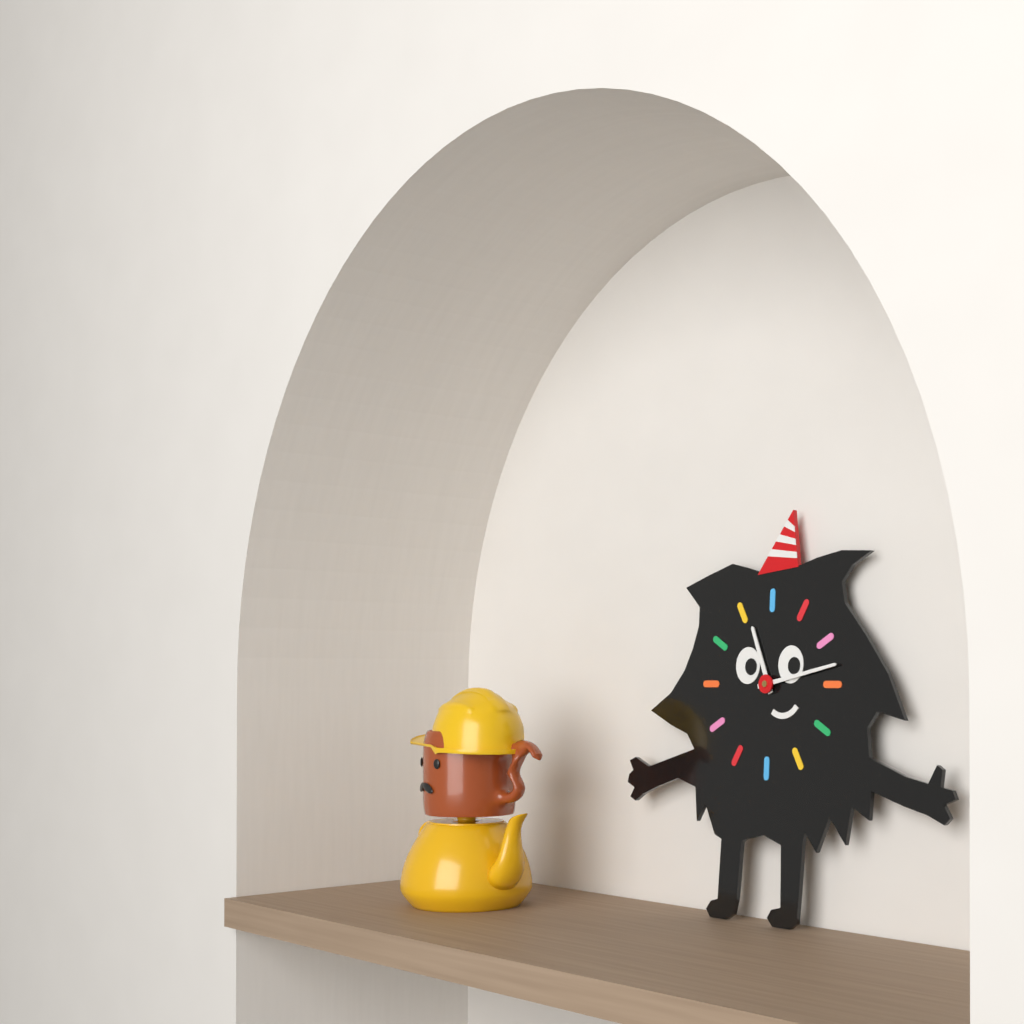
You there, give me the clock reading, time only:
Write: 11:13
